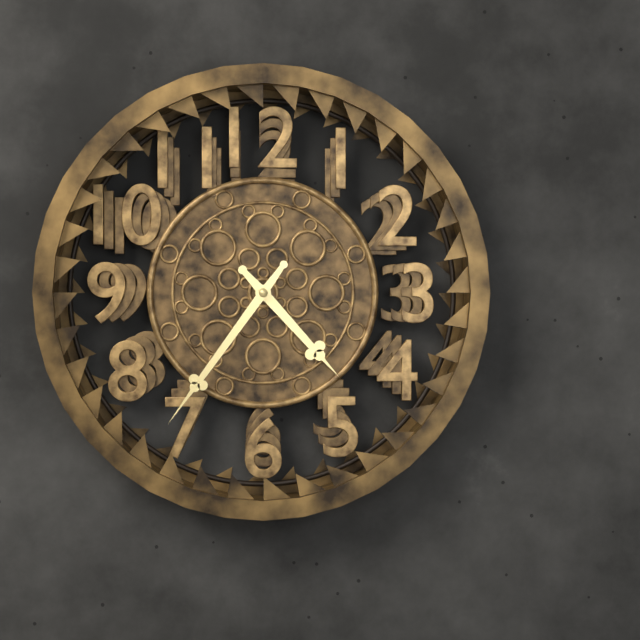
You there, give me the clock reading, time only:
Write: 4:36
